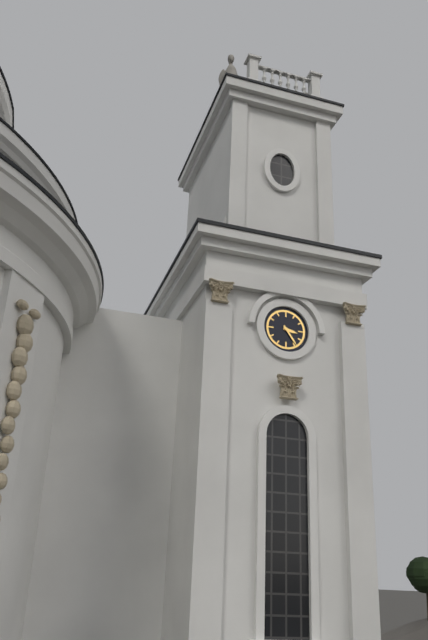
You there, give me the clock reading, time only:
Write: 3:24
